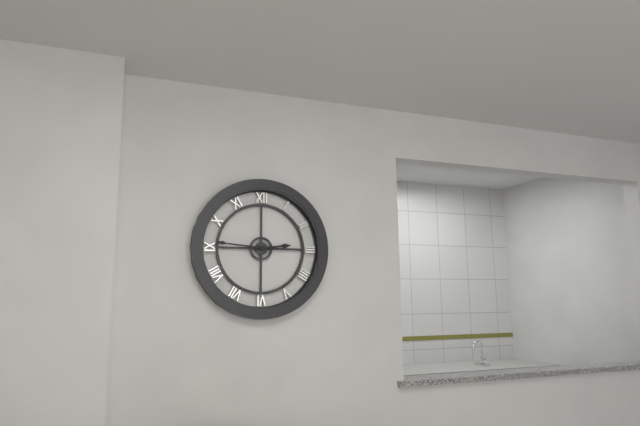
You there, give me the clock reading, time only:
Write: 2:46
